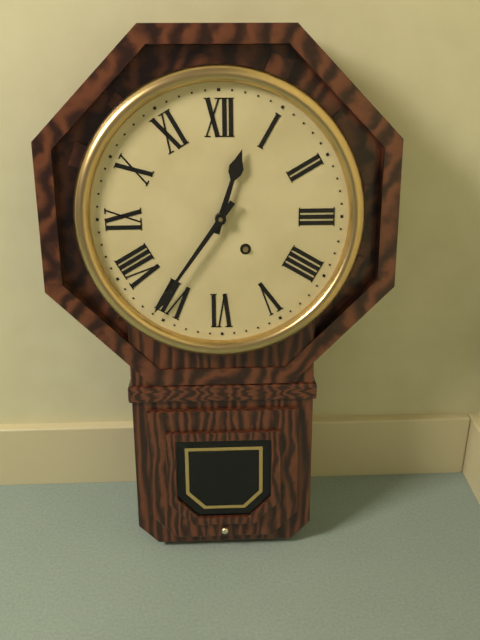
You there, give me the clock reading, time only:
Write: 12:36
